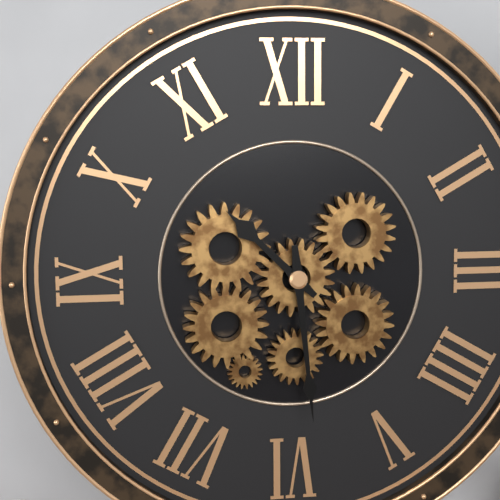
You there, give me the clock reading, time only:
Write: 10:29
